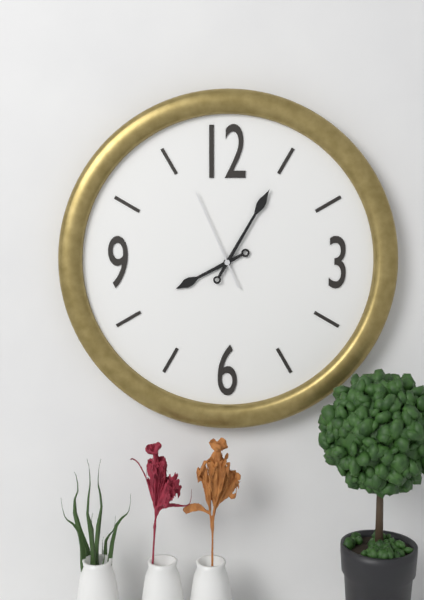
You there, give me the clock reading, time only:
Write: 8:05:56
